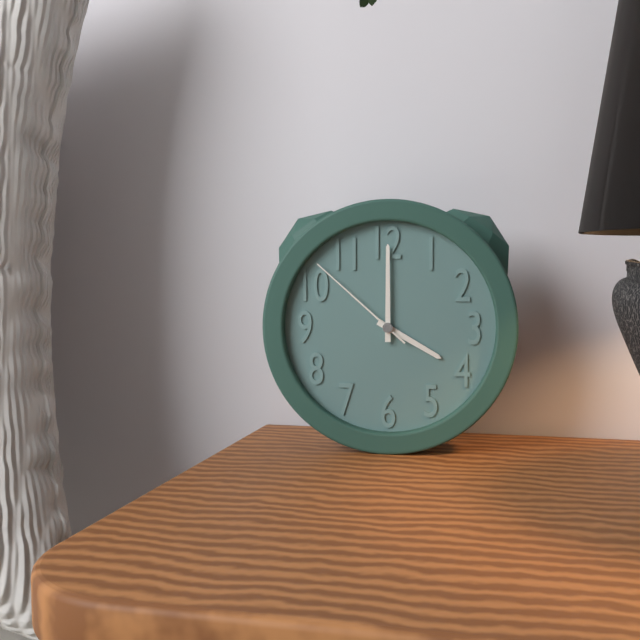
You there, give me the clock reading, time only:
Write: 4:00:52
